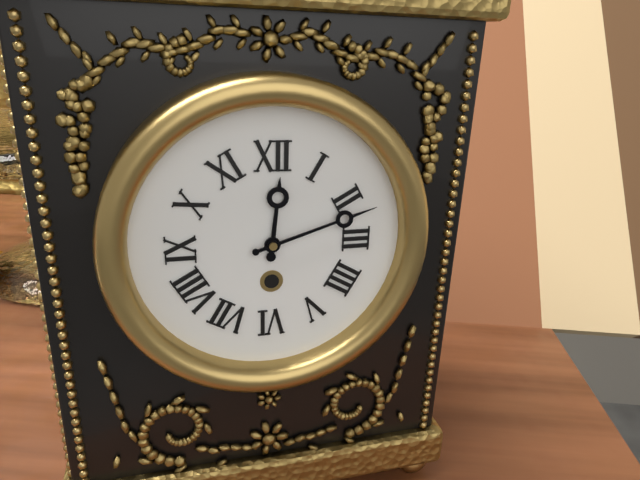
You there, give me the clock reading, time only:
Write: 12:12
